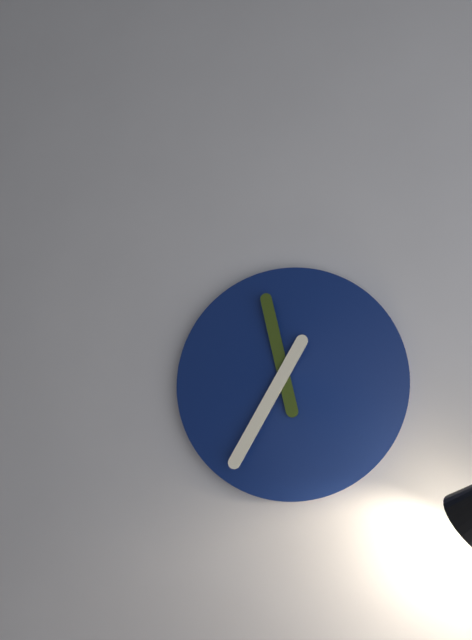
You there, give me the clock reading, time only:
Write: 11:35
